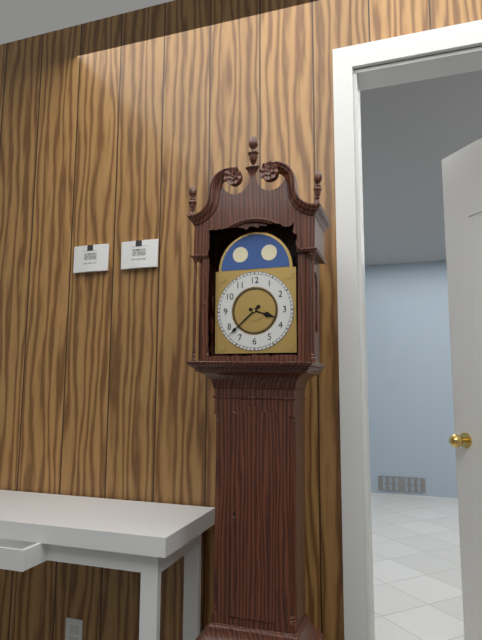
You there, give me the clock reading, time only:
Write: 3:38
